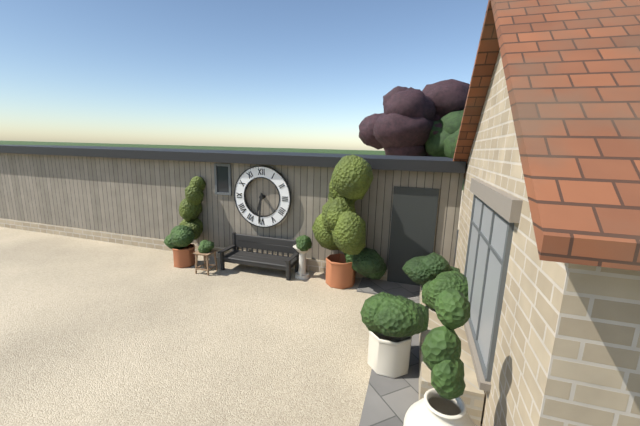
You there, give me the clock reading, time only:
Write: 6:31
